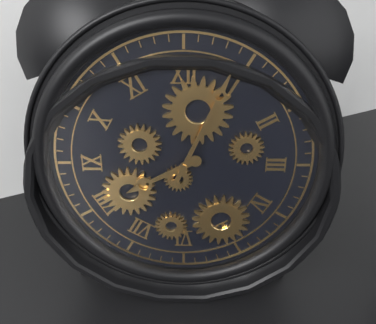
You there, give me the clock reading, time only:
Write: 8:04
